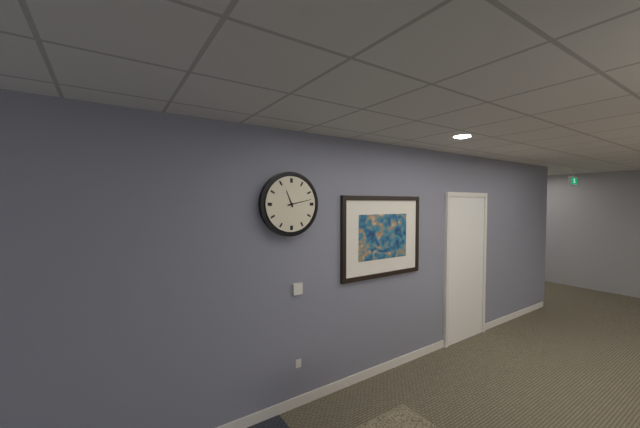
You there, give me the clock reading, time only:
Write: 11:13
